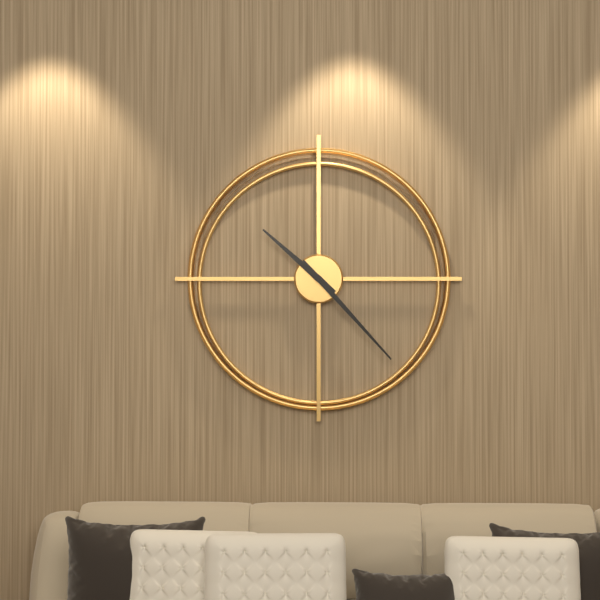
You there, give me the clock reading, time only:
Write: 10:23
